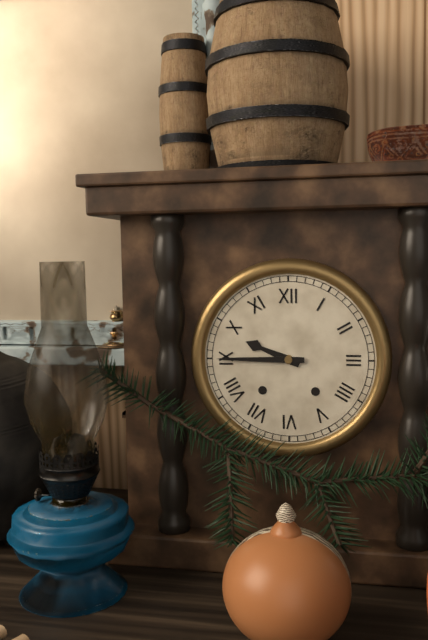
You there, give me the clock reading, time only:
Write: 9:45
